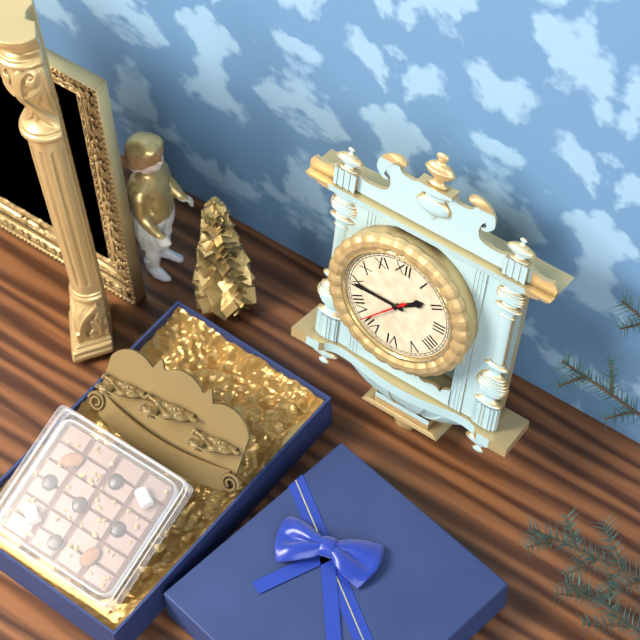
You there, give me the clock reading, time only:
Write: 1:45
